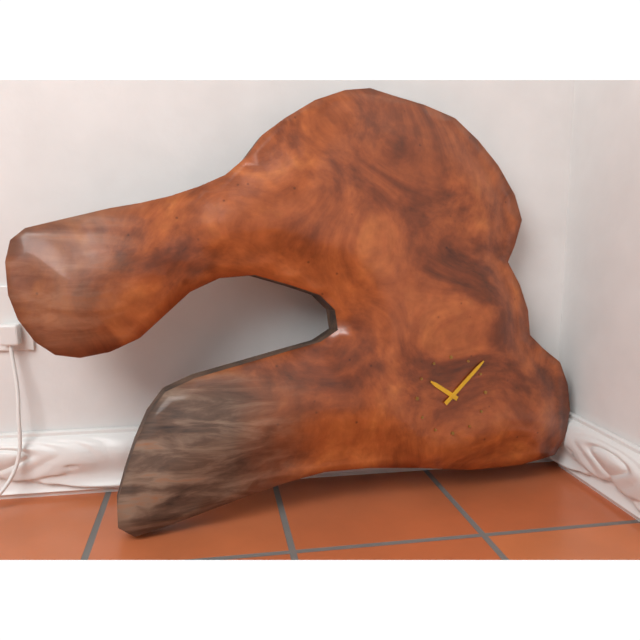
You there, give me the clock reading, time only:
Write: 10:08
